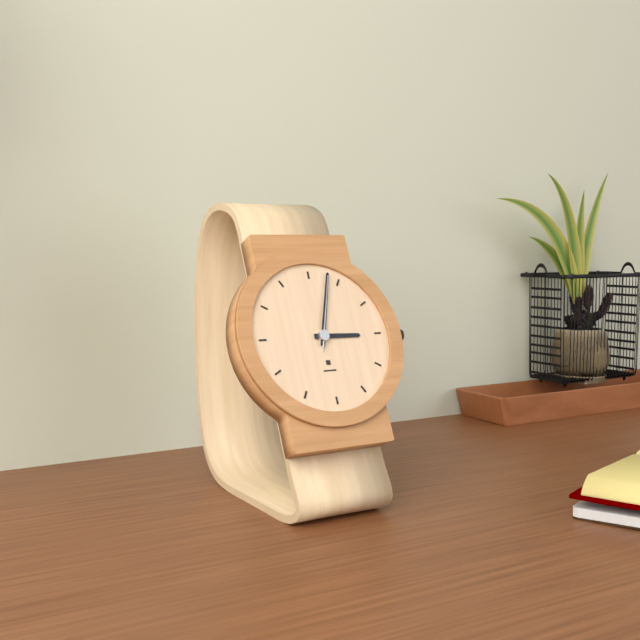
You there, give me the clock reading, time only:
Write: 3:03:03
